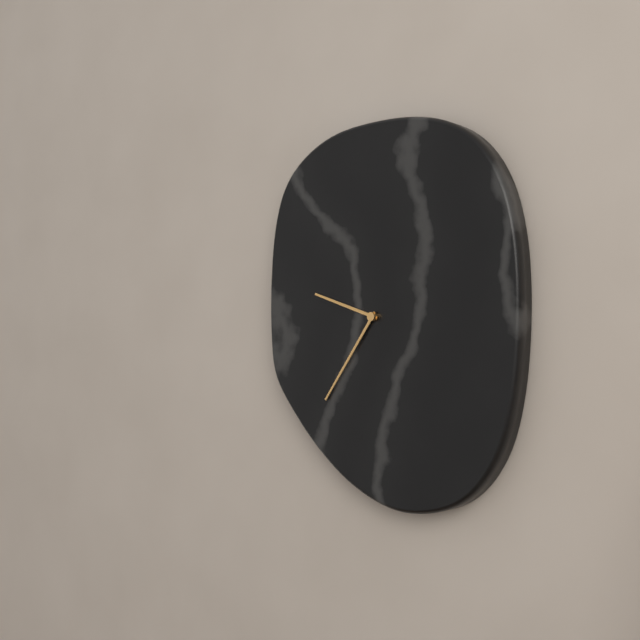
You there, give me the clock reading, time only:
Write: 9:36
